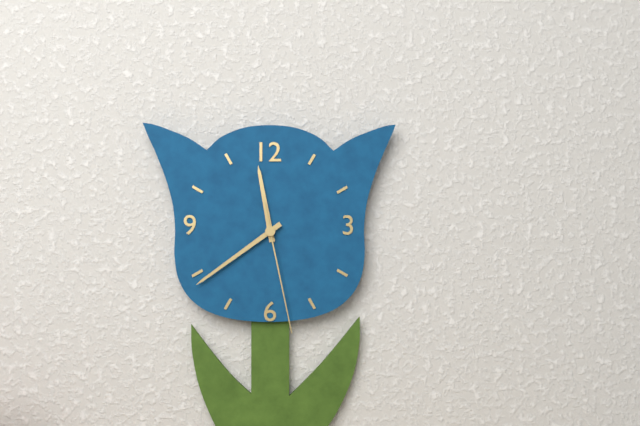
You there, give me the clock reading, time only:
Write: 11:39:28
